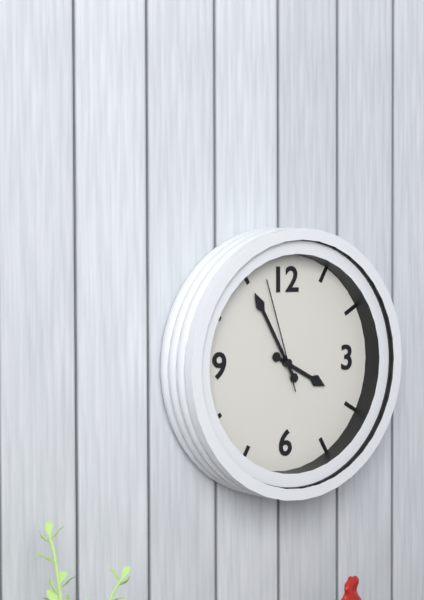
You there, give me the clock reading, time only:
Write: 3:55:57
